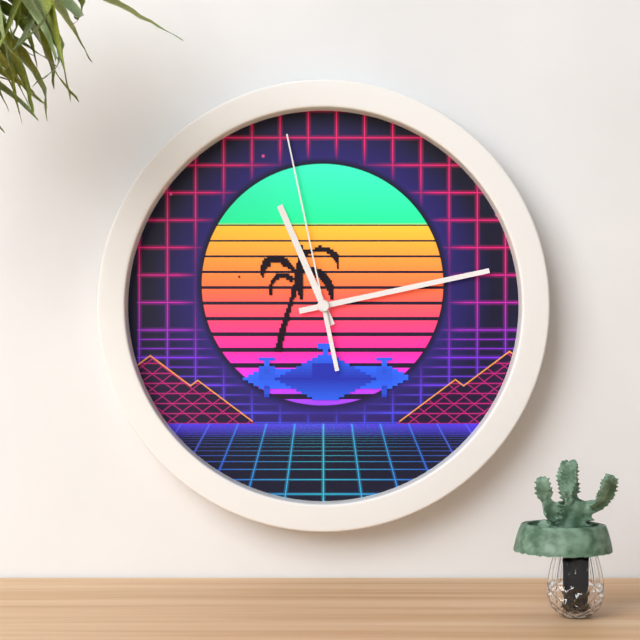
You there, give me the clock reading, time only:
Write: 11:13:58
